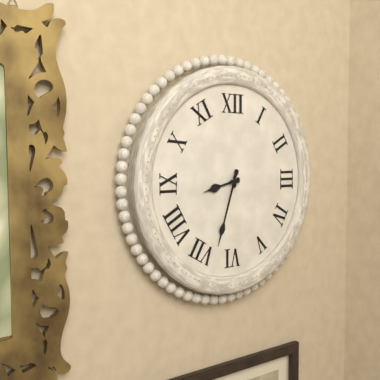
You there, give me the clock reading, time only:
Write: 8:33
